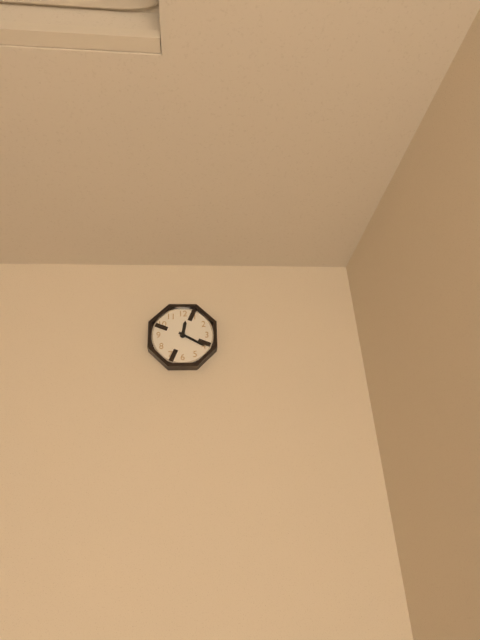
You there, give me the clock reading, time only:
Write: 12:20
